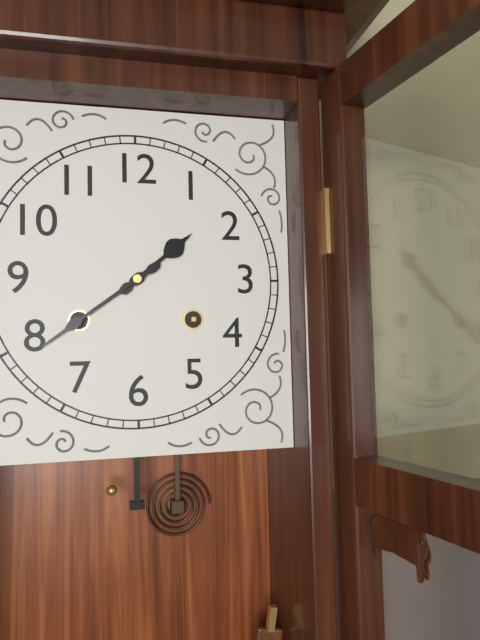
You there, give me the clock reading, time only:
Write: 1:39
